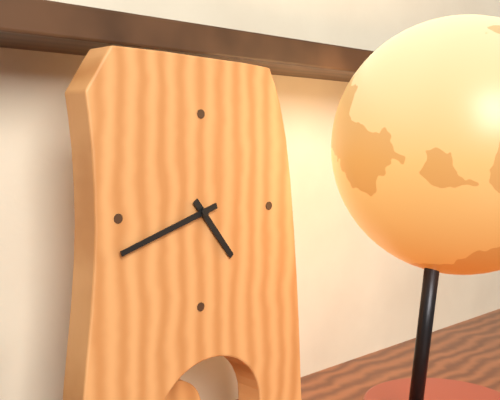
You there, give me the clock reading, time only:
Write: 4:42
